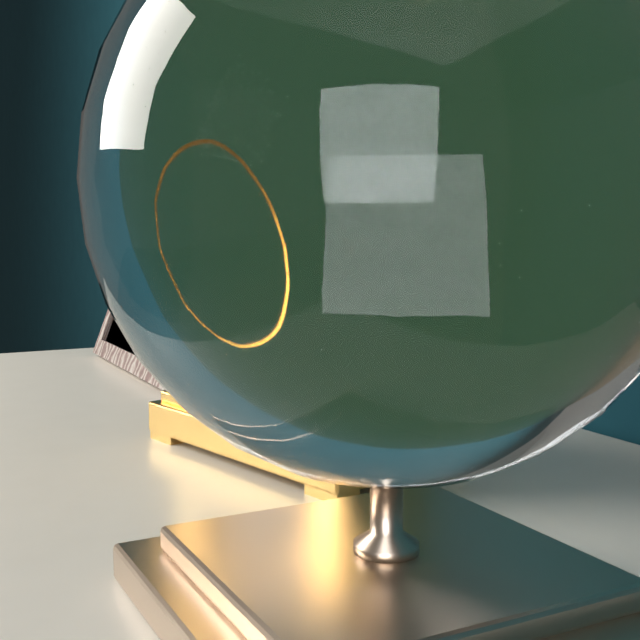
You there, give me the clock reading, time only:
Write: 8:27
